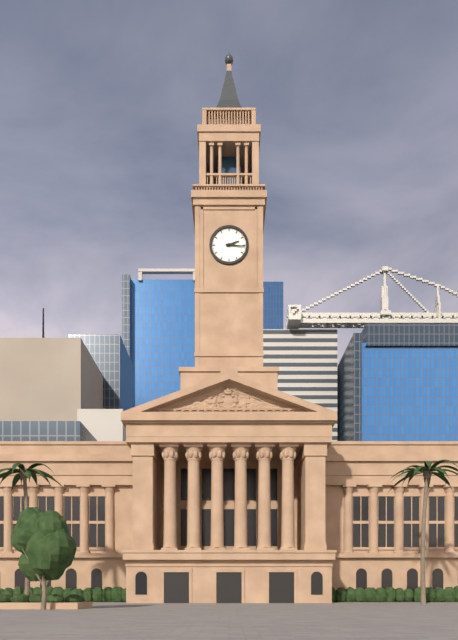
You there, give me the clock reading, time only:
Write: 2:16
